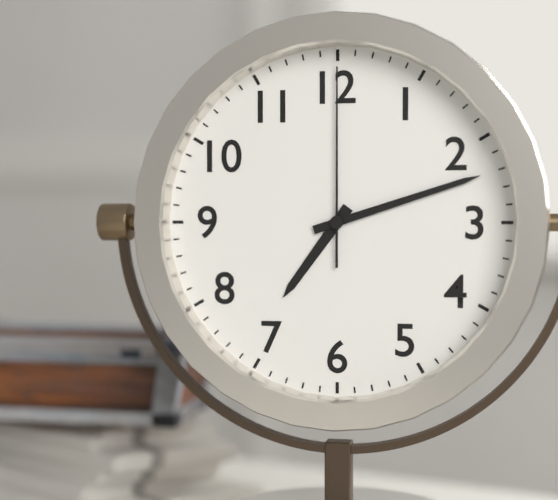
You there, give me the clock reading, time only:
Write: 7:12:00
